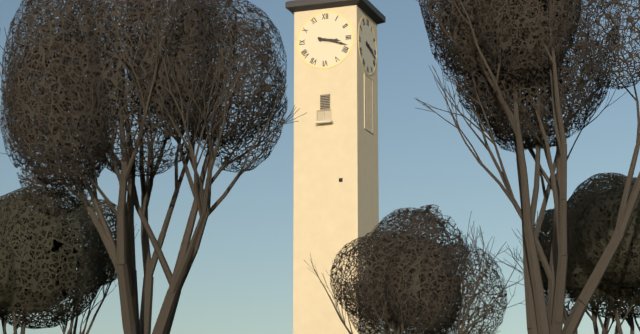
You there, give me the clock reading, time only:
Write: 3:18
